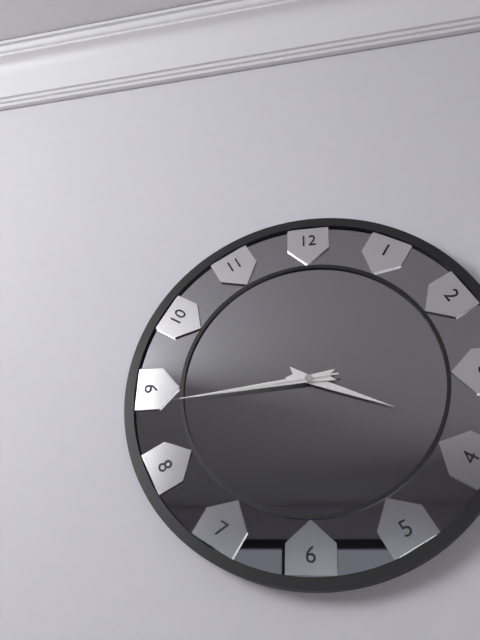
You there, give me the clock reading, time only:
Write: 3:44:44
